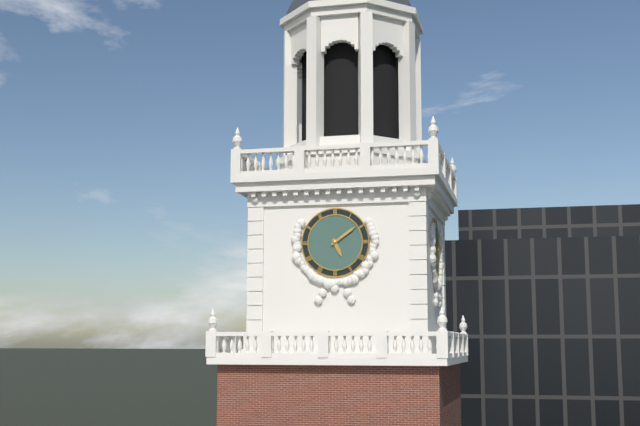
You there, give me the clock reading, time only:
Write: 5:09
